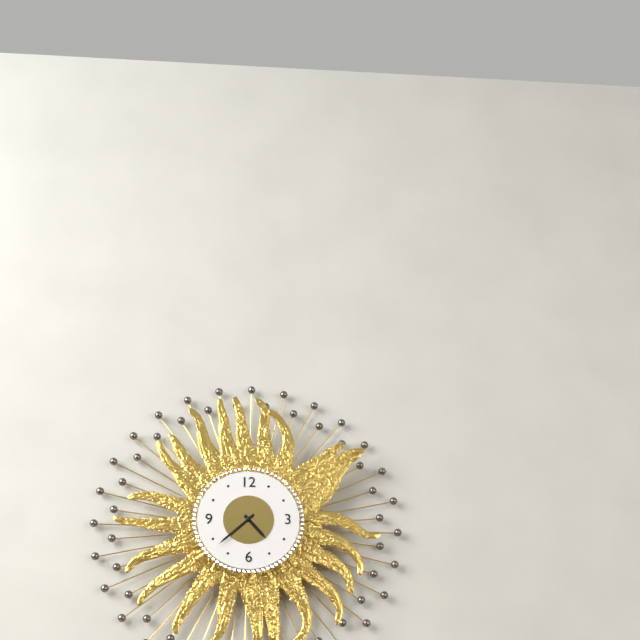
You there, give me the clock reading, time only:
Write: 4:38
